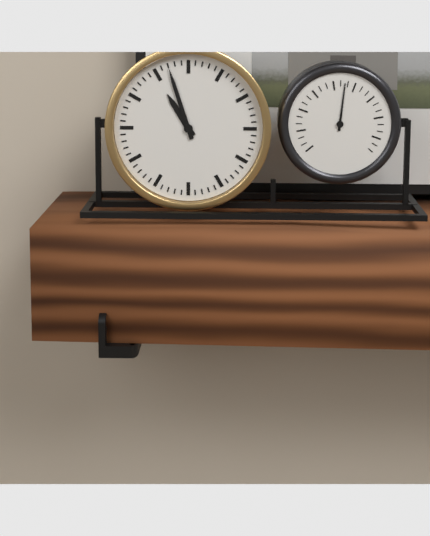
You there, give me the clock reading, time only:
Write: 10:57
